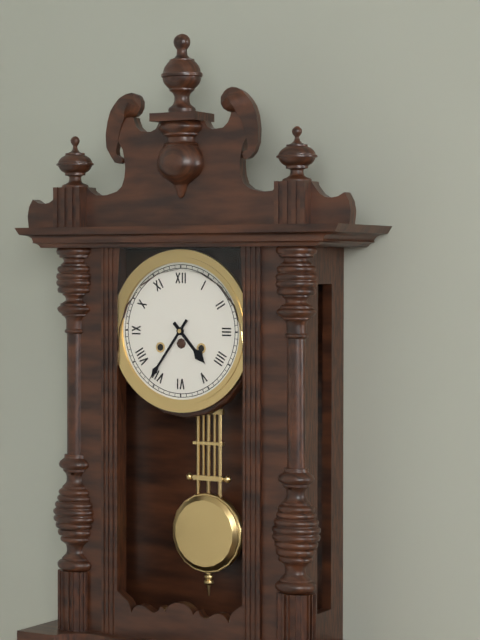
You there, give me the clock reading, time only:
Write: 4:36
